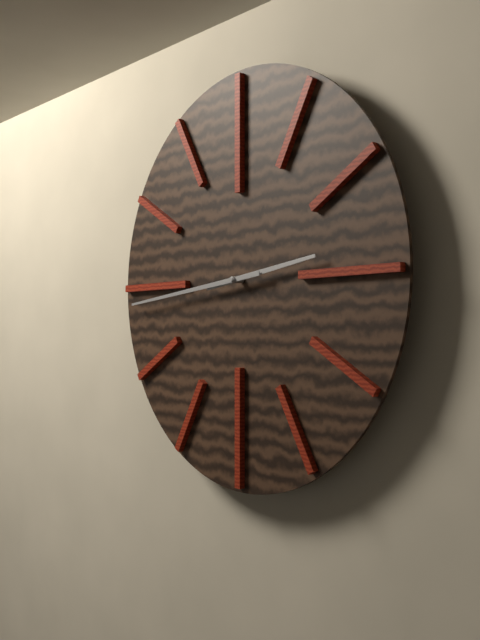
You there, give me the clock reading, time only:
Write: 2:44
